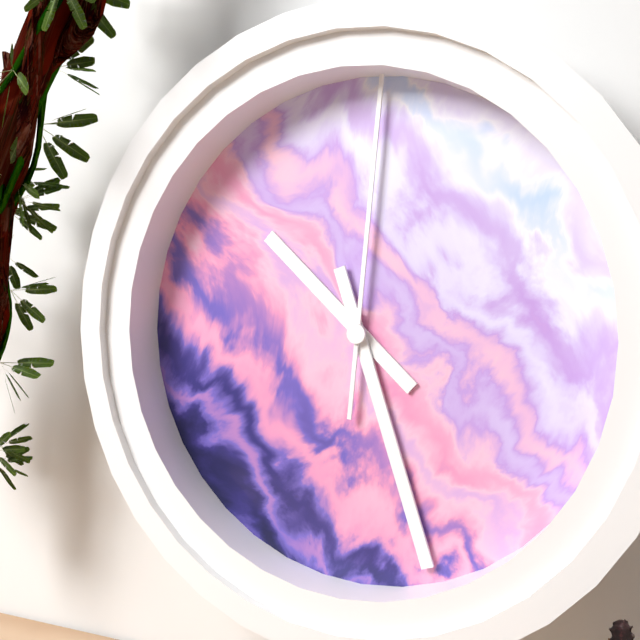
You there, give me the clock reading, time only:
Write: 10:27:01
